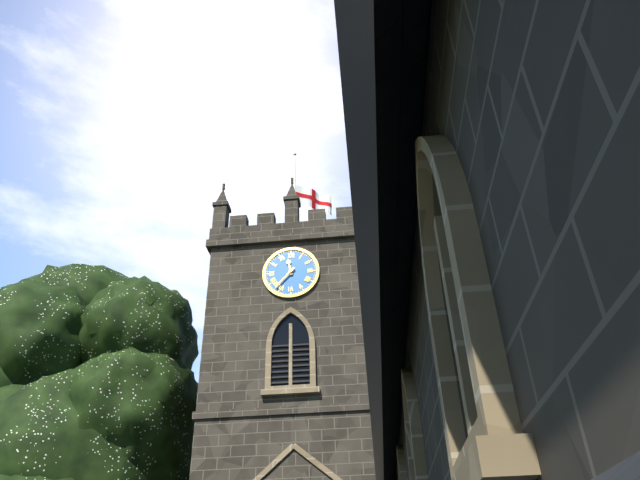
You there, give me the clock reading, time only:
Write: 11:37
